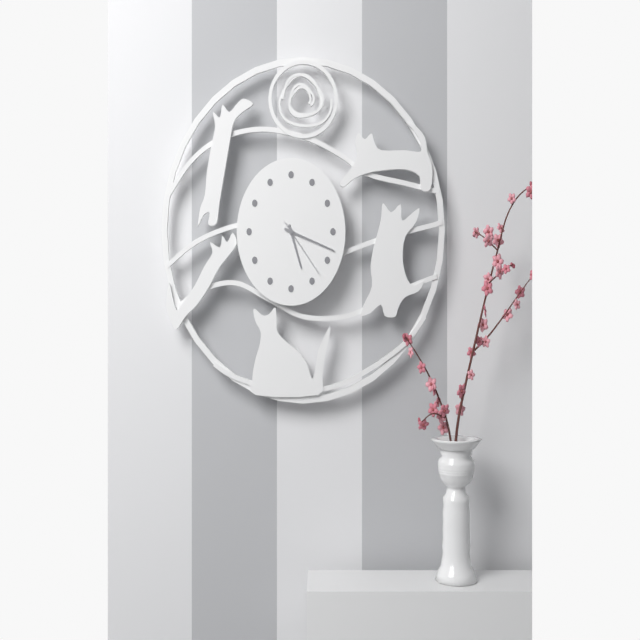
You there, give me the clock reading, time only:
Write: 5:18:23
